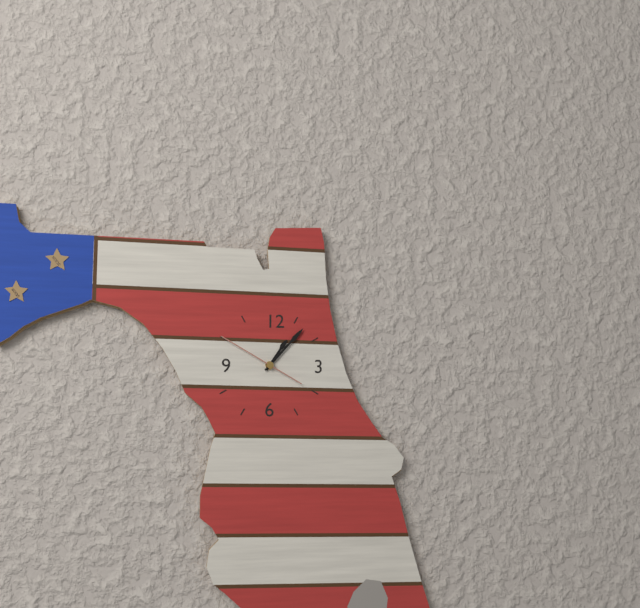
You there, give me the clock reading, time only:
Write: 1:07:50
